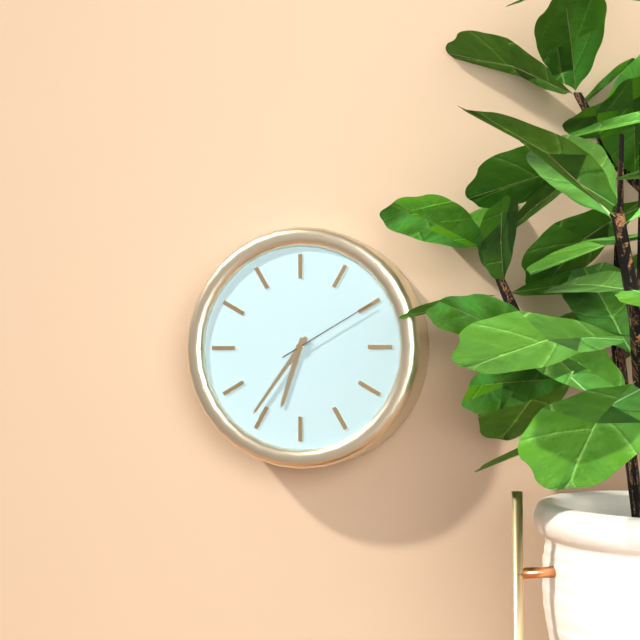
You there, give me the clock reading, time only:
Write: 6:36:10
